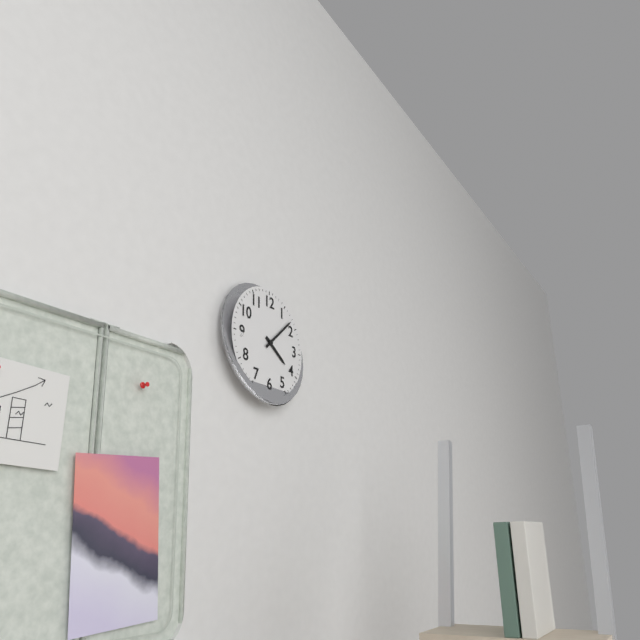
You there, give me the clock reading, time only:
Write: 4:08
